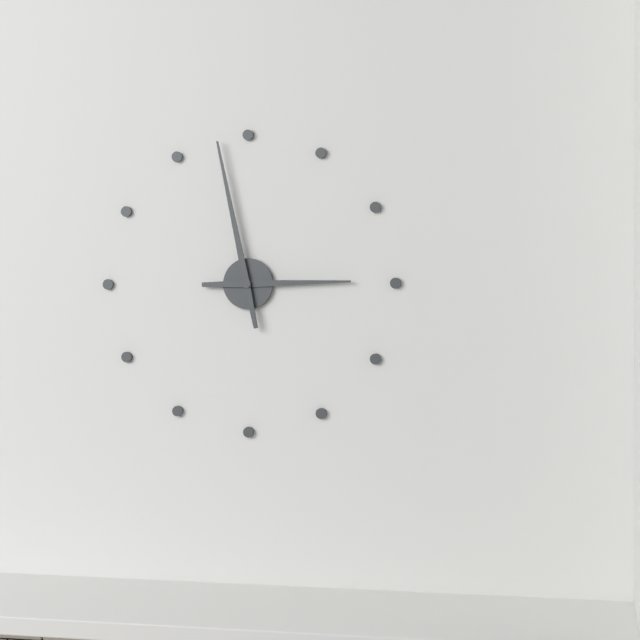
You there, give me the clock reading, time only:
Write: 2:58
